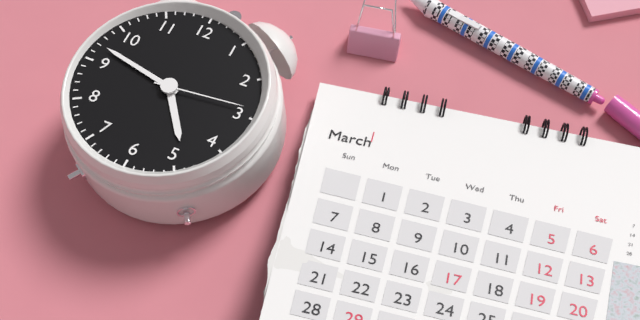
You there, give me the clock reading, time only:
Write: 4:47:14
